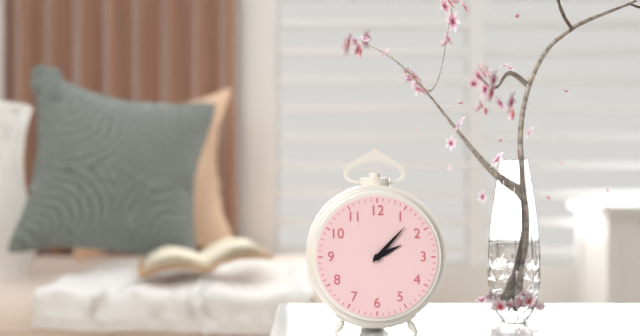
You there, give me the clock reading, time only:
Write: 2:07
